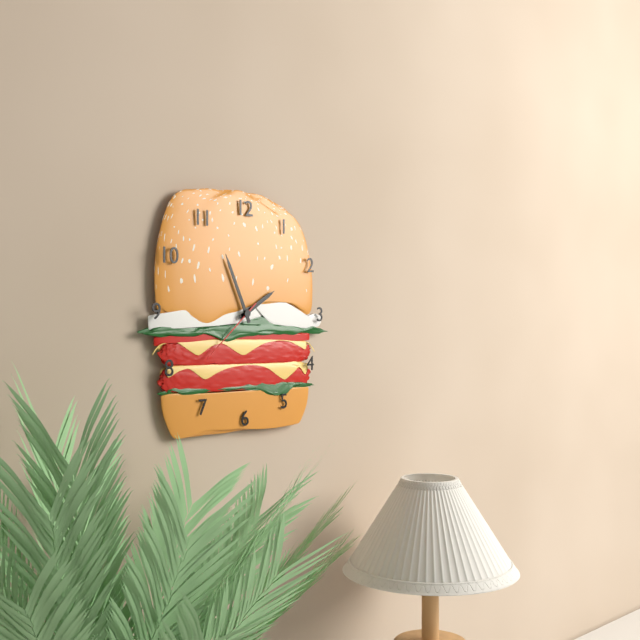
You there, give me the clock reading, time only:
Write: 1:56:38
